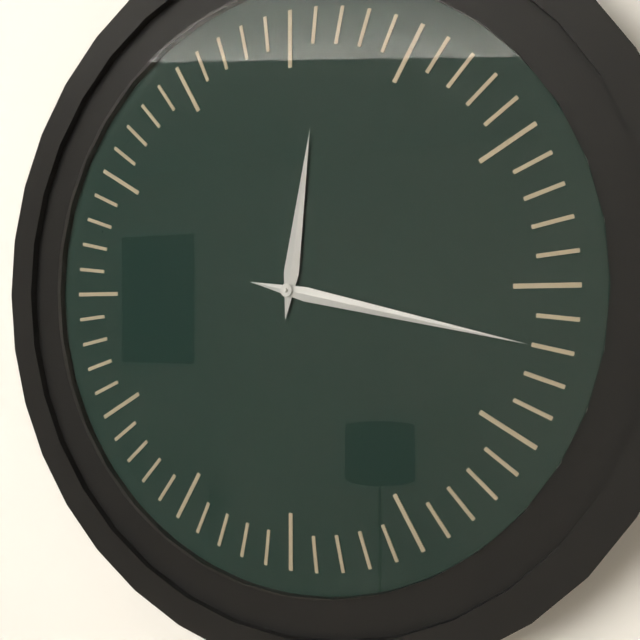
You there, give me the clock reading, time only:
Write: 12:17
